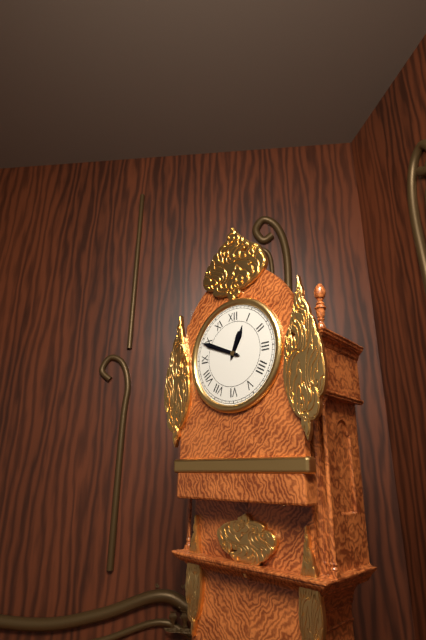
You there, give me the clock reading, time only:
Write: 12:49
